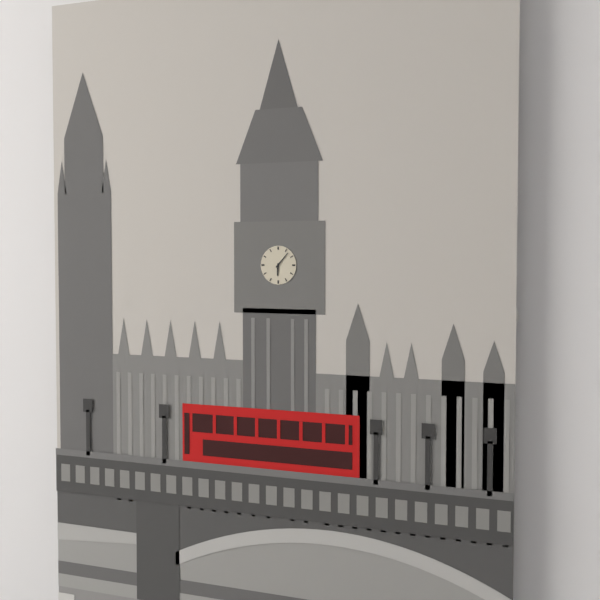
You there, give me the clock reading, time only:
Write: 6:07
